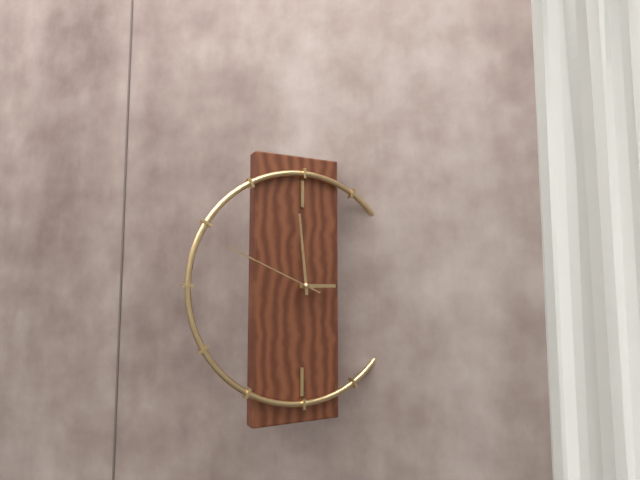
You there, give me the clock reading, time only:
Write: 2:59:49
